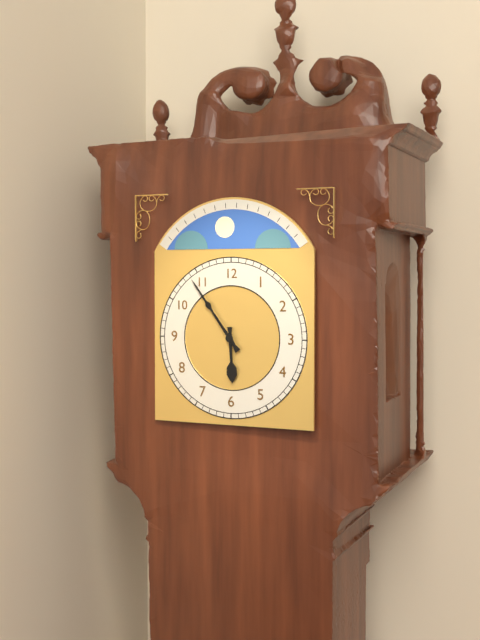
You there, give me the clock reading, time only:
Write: 5:54
